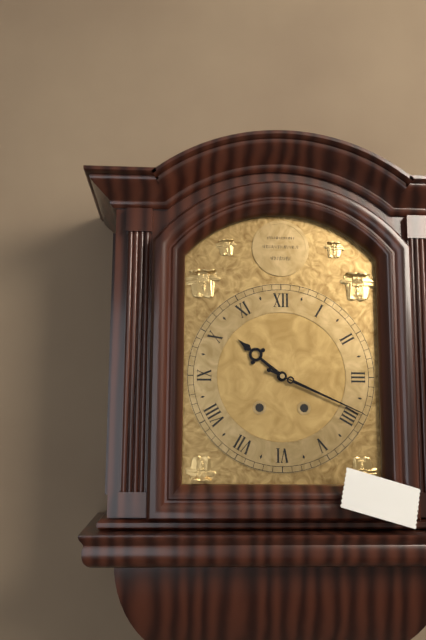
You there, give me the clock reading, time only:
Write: 10:19
